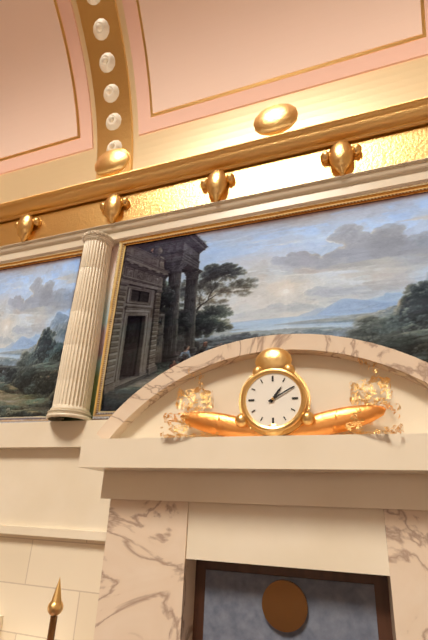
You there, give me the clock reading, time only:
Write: 1:10
